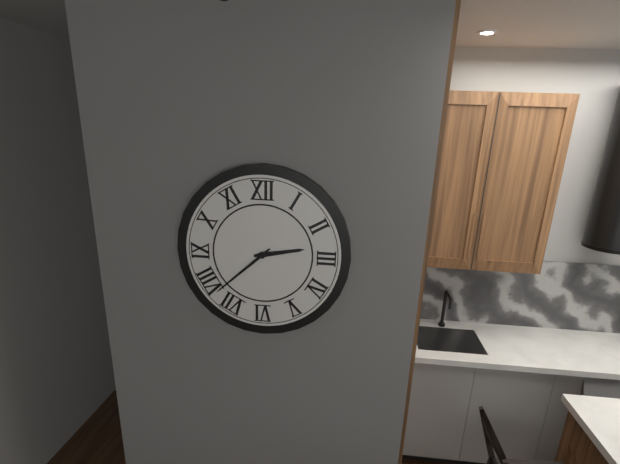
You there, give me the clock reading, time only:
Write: 2:38
